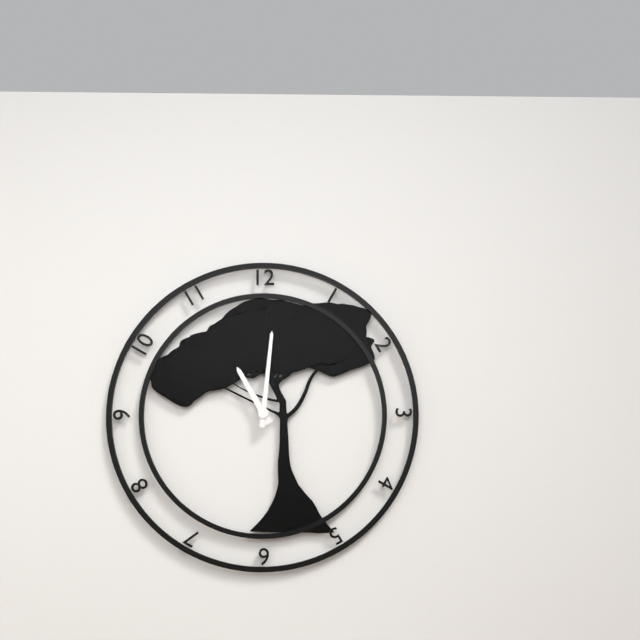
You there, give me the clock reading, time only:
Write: 11:01
